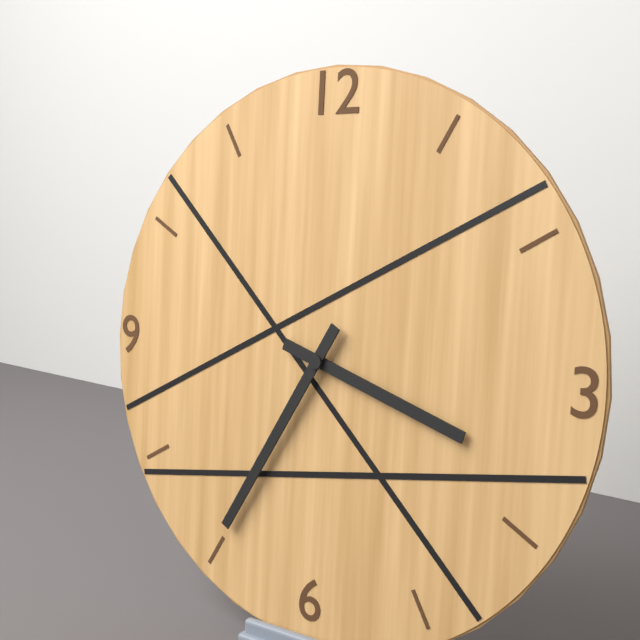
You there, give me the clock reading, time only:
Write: 3:35
